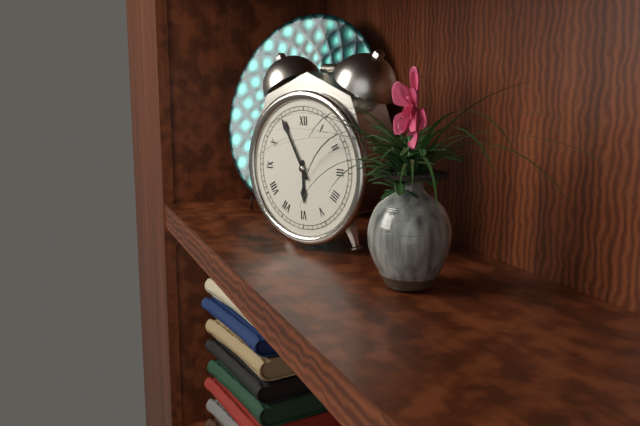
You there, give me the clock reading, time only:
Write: 5:55
